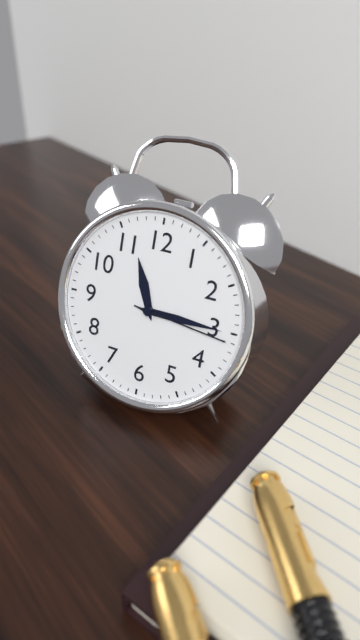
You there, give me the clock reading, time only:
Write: 11:15:16
